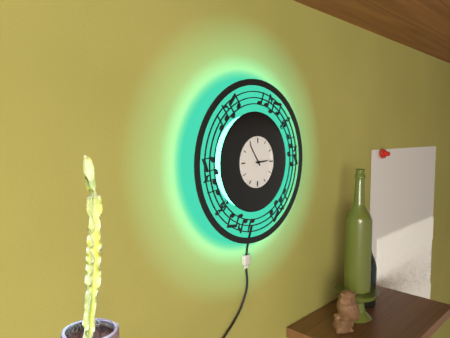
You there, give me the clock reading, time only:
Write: 2:54
